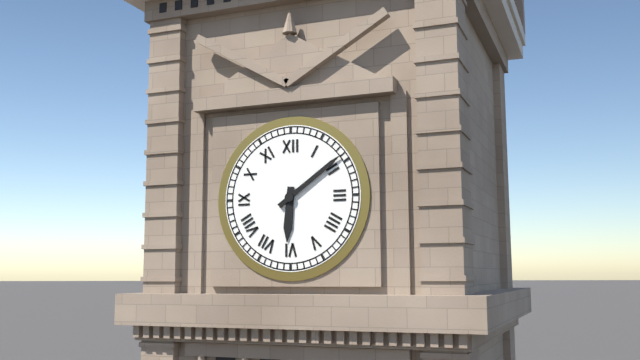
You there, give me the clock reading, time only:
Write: 6:09
